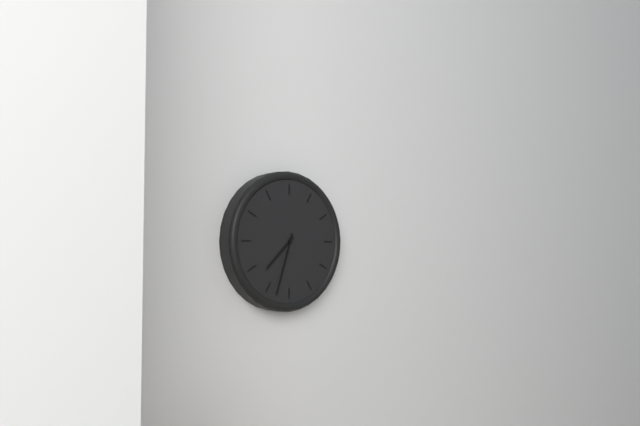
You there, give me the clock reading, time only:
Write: 7:33
